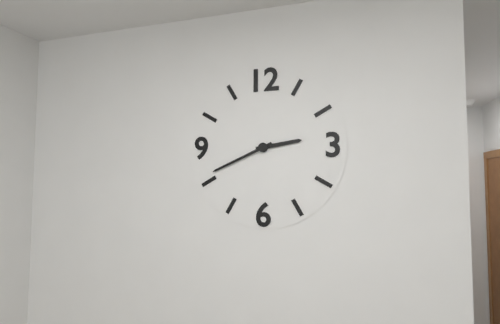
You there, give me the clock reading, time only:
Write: 2:41
